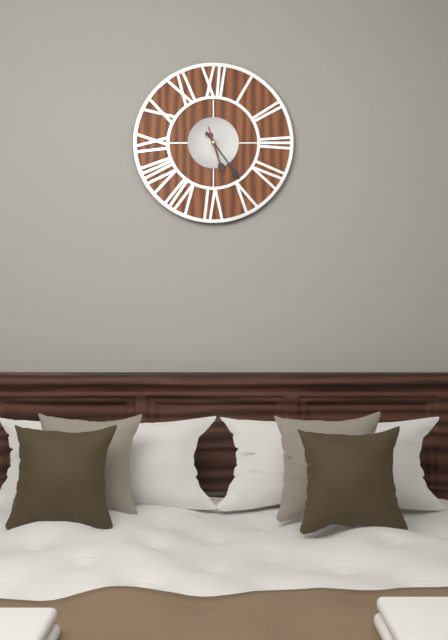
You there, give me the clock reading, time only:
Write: 5:24:27
